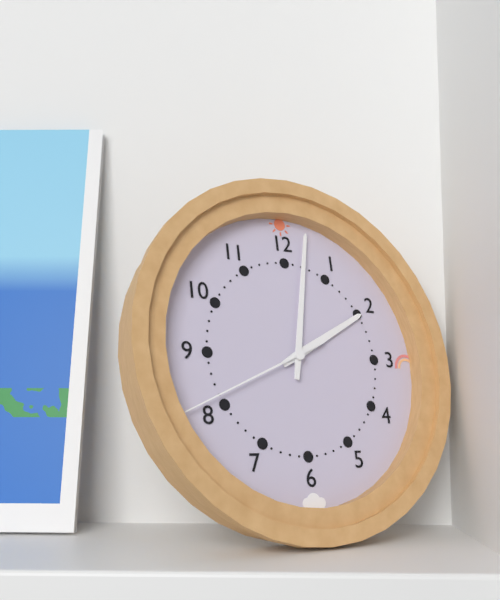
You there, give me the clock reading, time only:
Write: 2:02:41
